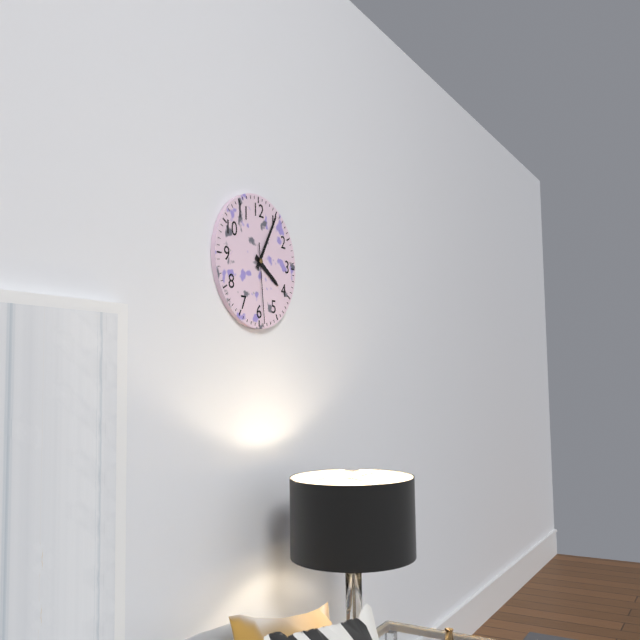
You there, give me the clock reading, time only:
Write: 4:05:29
